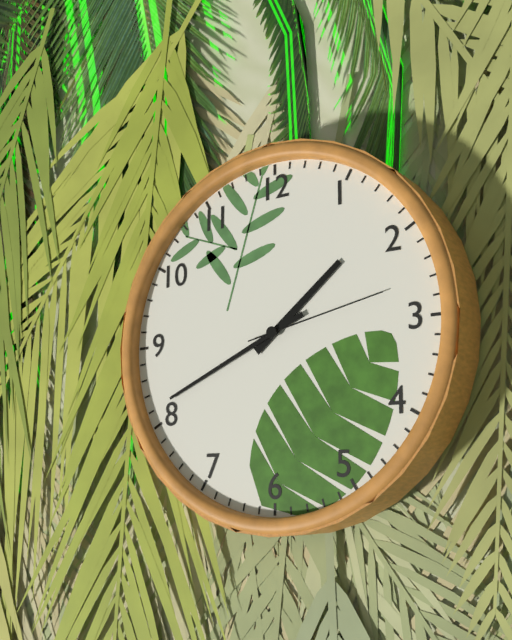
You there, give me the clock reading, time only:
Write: 1:41:13
